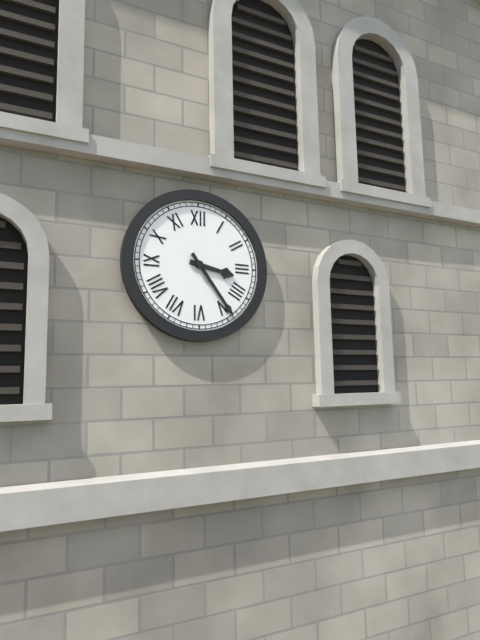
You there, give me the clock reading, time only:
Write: 3:24
